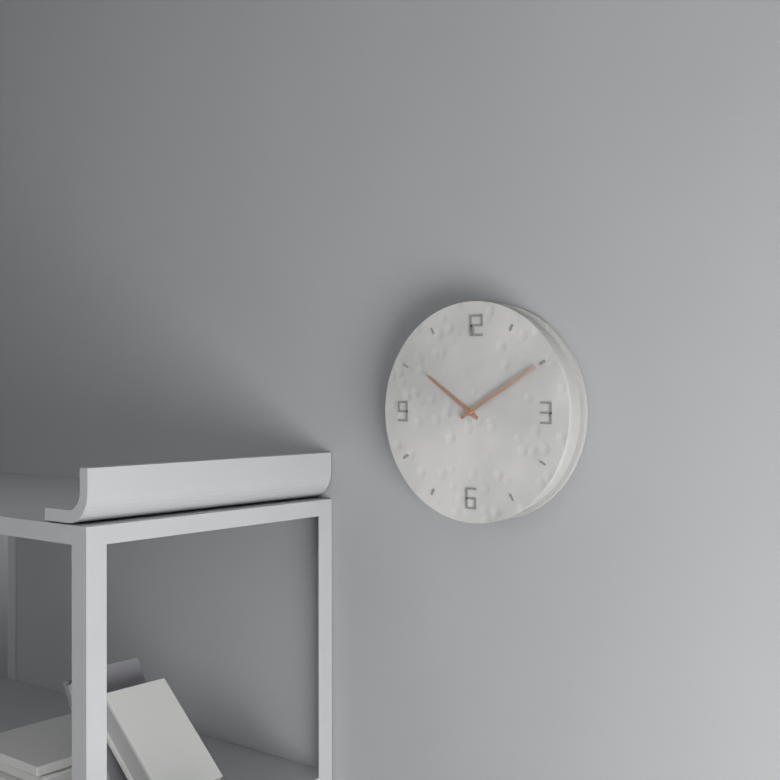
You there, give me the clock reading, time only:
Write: 10:10
